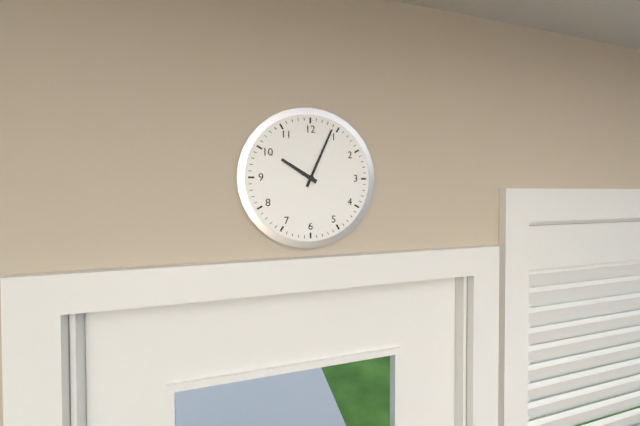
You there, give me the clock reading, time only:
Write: 10:04
